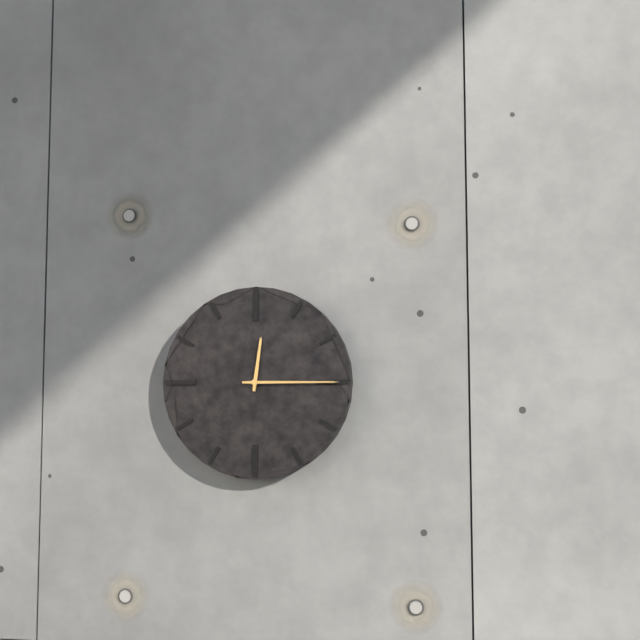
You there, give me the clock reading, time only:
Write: 12:15
